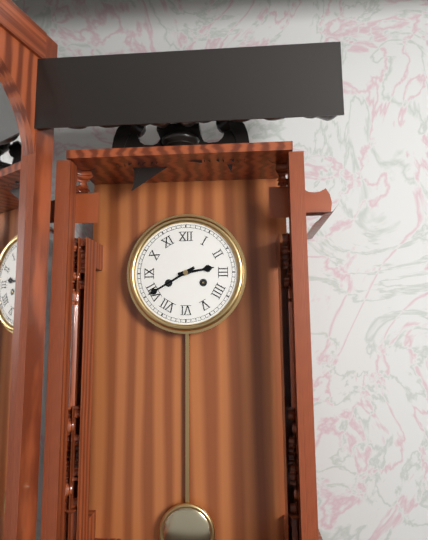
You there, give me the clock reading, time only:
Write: 2:40
